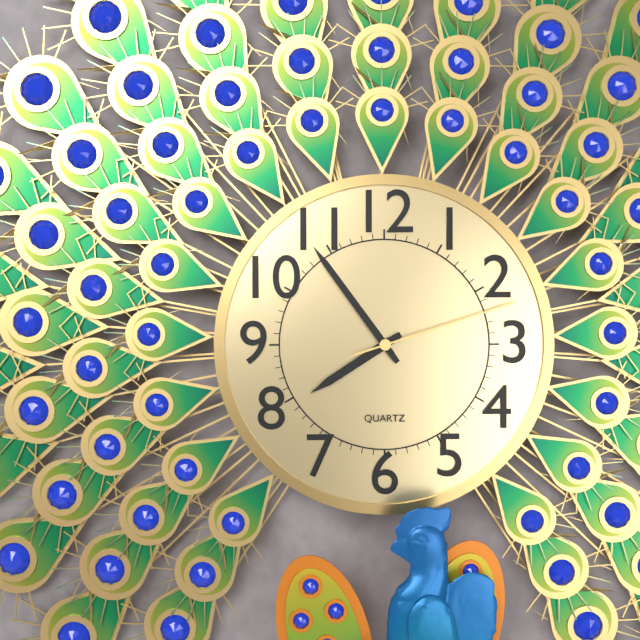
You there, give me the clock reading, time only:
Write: 7:54:12
